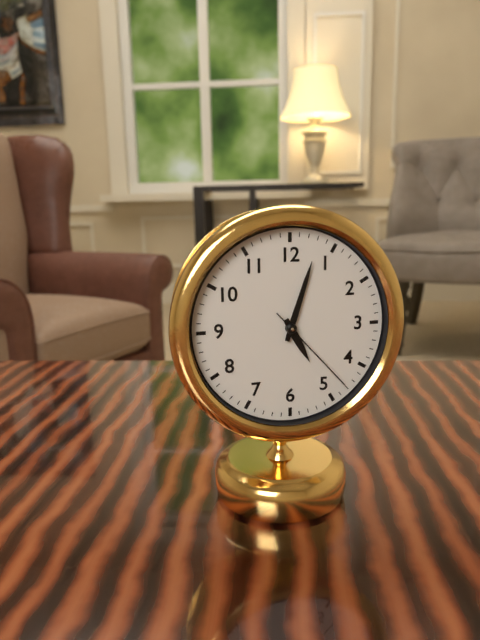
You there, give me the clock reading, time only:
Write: 5:03:23
